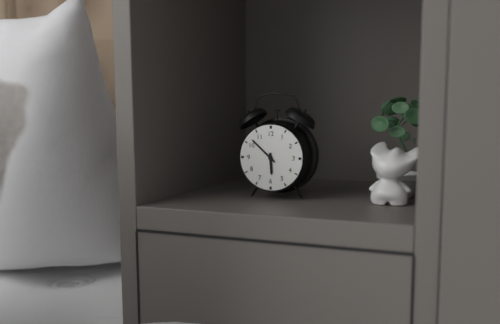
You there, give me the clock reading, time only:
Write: 5:52
